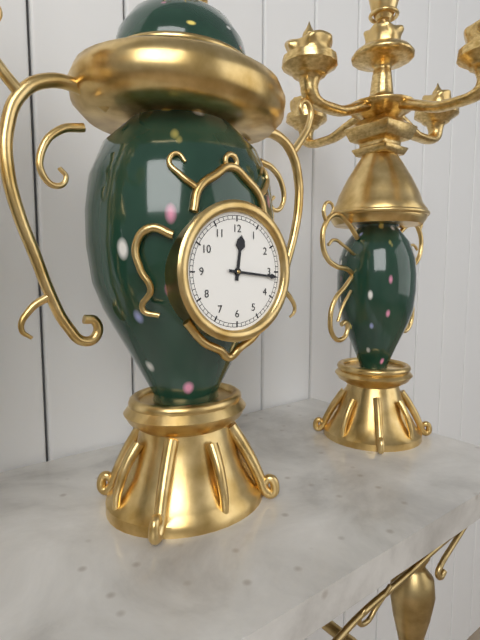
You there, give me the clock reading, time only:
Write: 12:16
